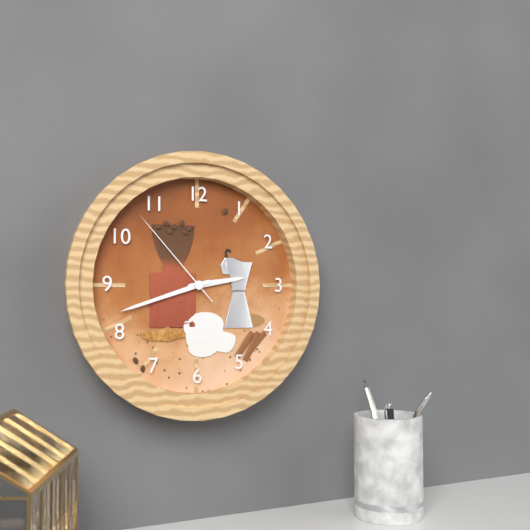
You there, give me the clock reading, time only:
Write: 2:42:53
